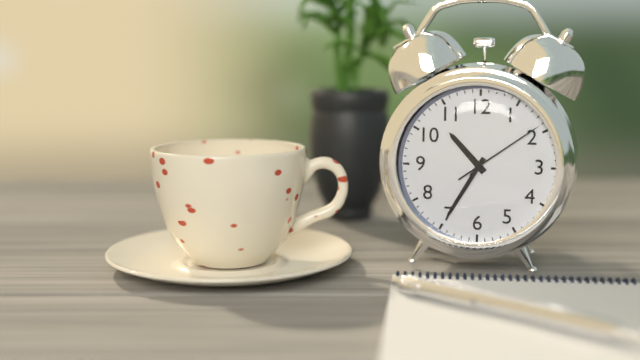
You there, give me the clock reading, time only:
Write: 10:35:09
